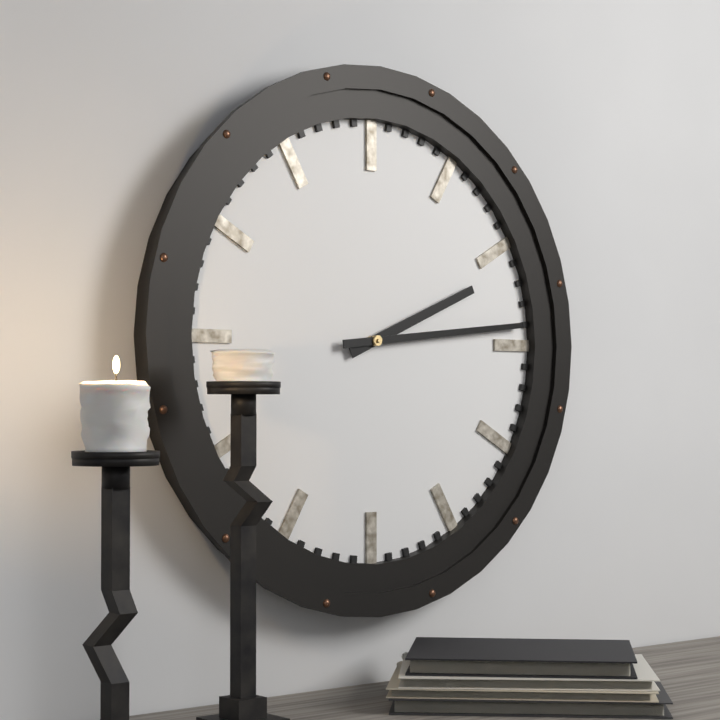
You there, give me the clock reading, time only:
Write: 2:14
